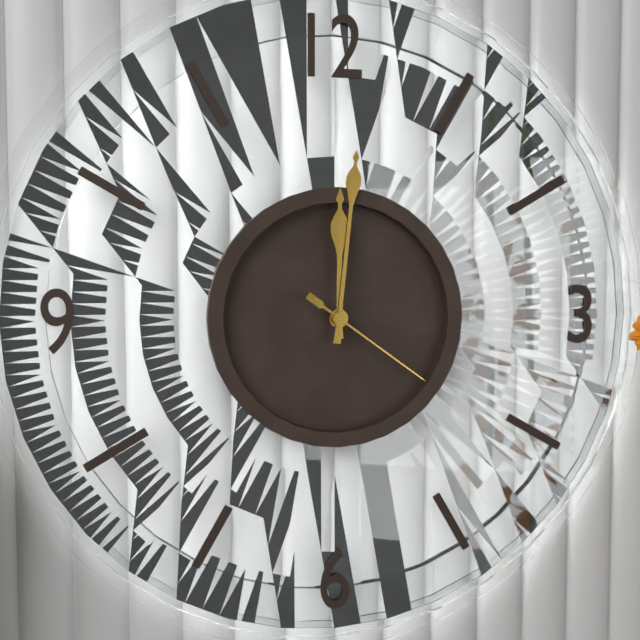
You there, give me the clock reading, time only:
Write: 12:01:21
